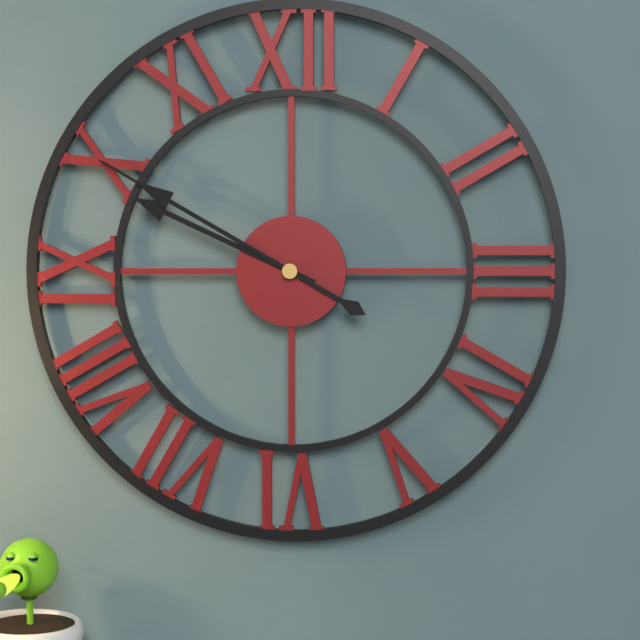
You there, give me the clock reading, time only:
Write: 9:50
